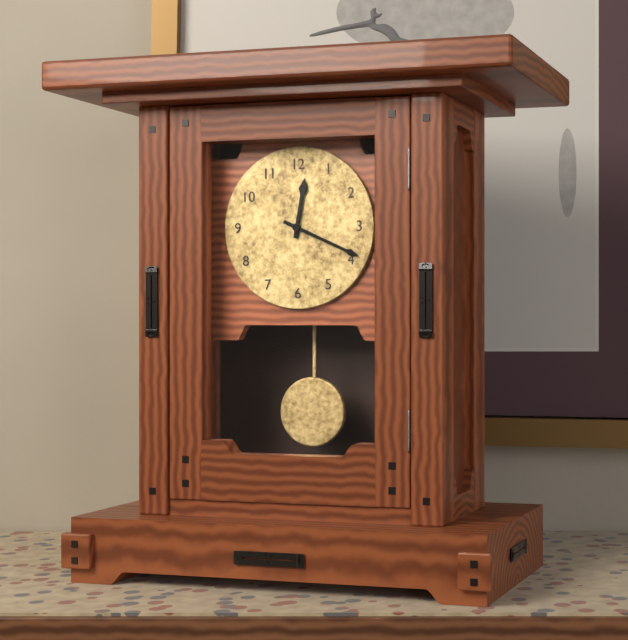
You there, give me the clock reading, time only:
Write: 12:19
